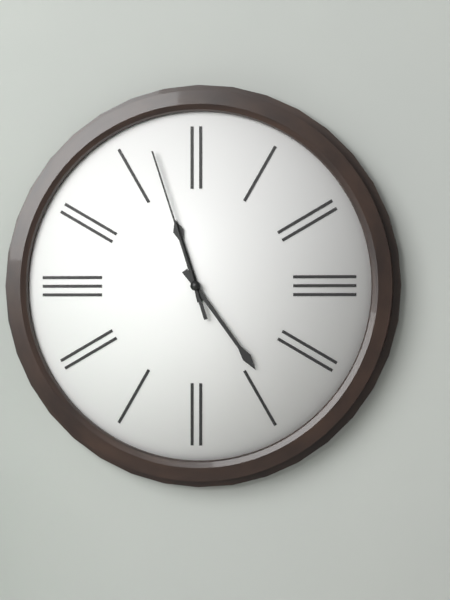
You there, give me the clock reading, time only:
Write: 11:24:57
